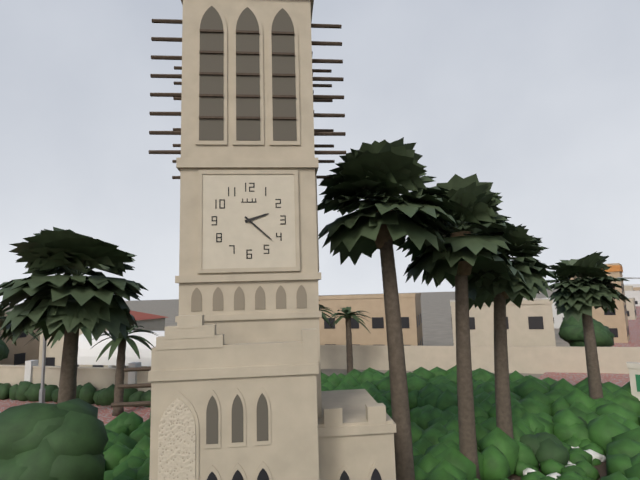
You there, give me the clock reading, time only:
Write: 2:22
